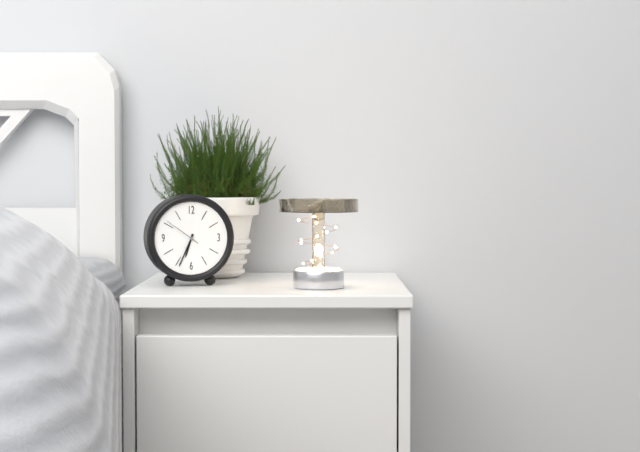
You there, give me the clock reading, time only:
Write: 6:34
